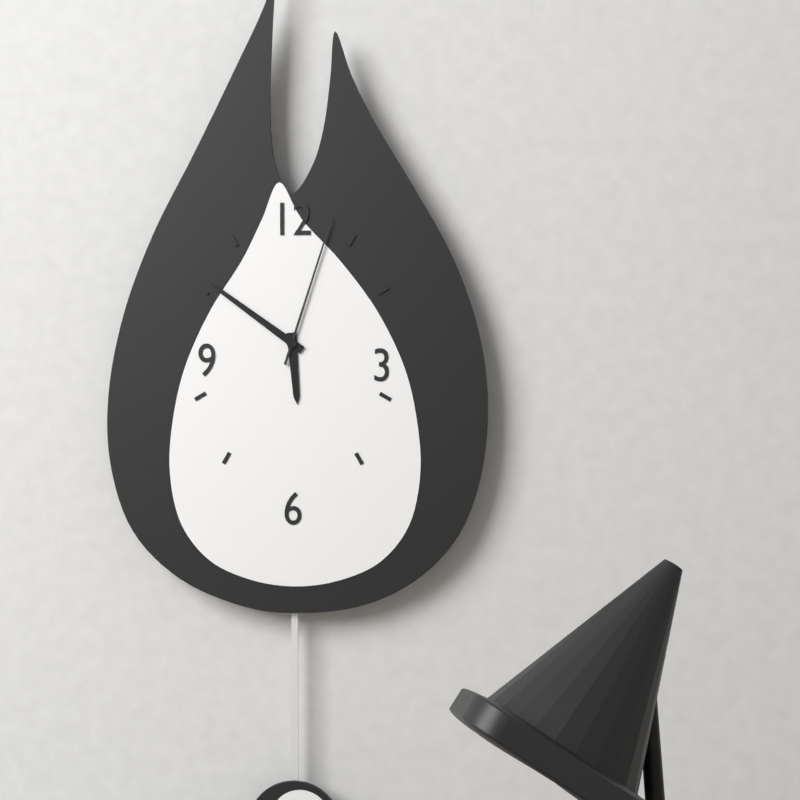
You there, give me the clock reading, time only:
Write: 5:51:03
